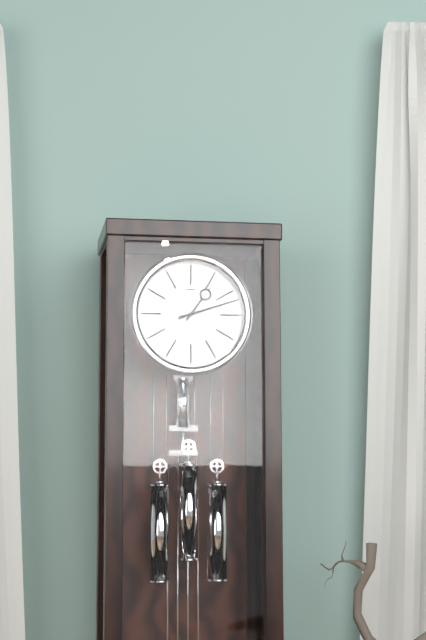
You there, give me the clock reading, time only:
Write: 1:12
